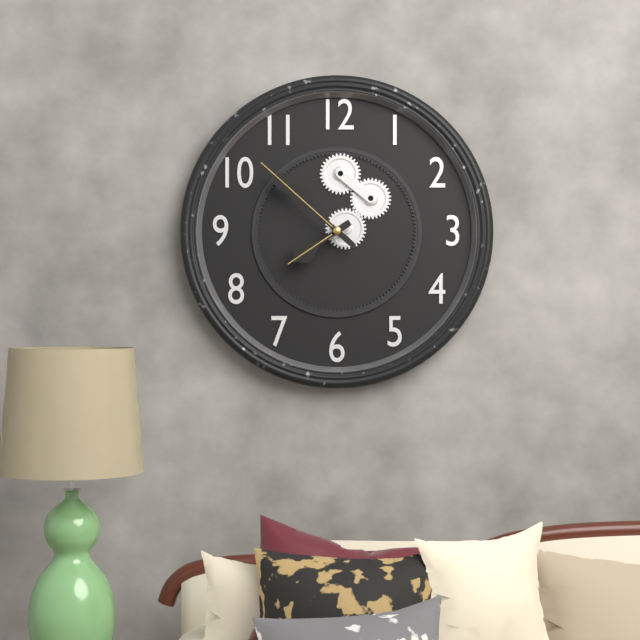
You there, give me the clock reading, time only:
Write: 7:52
